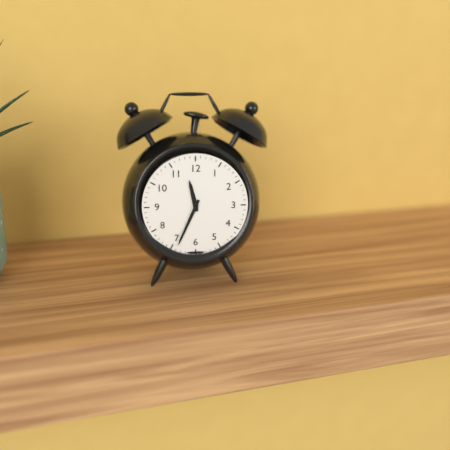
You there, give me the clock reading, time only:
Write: 11:34
